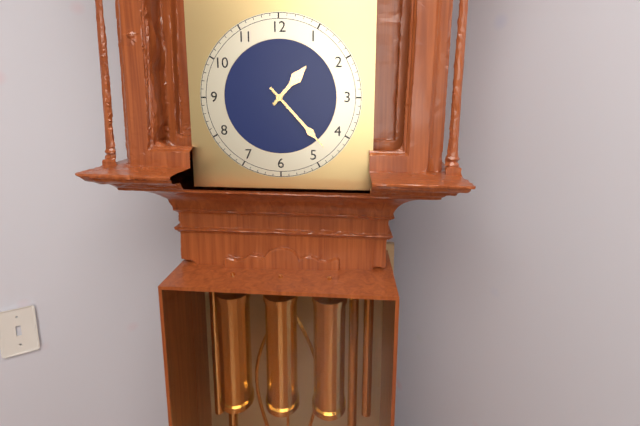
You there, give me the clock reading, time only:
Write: 1:23
